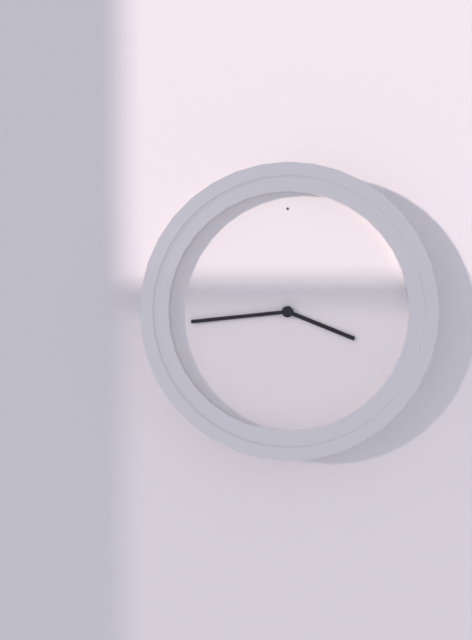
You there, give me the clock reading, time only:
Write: 3:44
